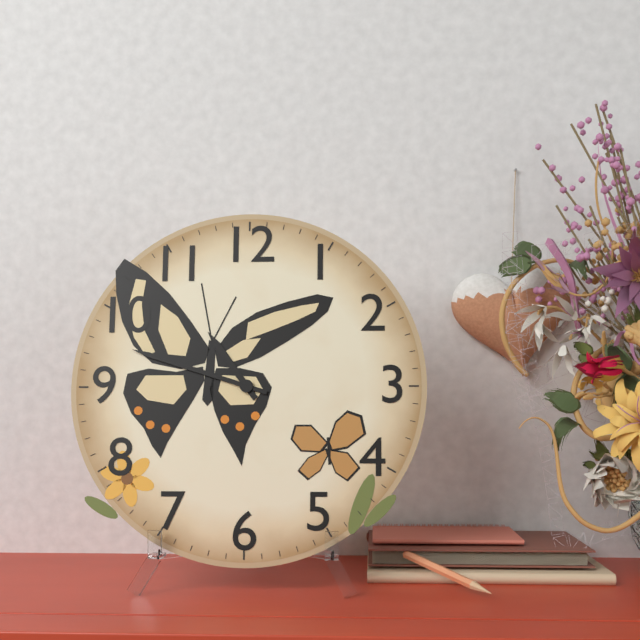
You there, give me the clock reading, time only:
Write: 10:48
